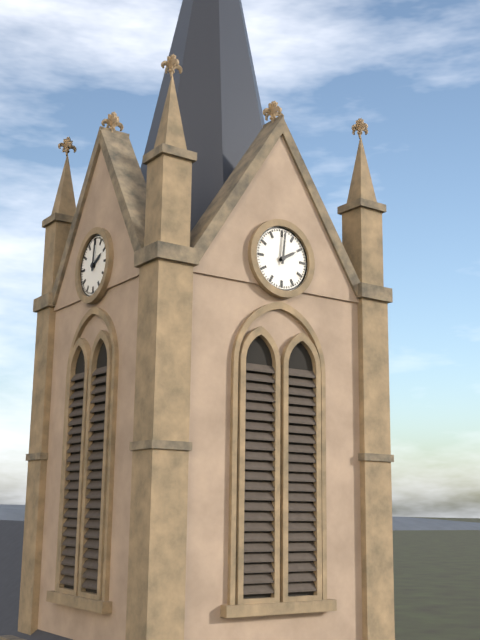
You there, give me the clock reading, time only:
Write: 2:01
